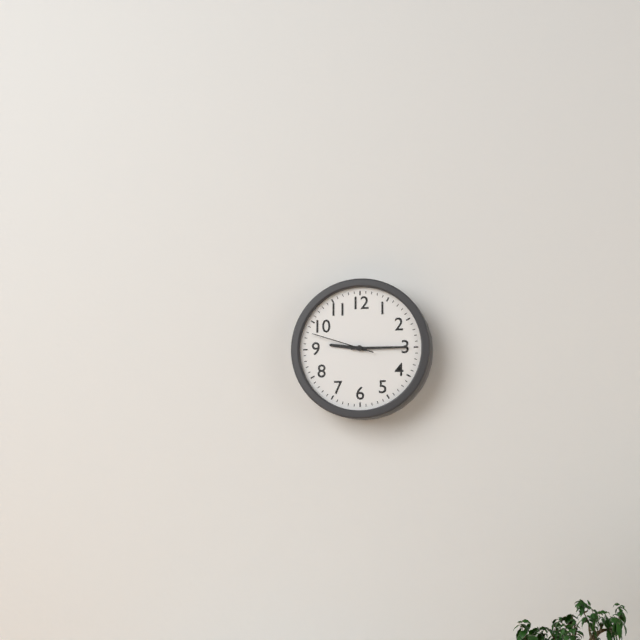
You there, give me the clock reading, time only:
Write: 9:15:48
